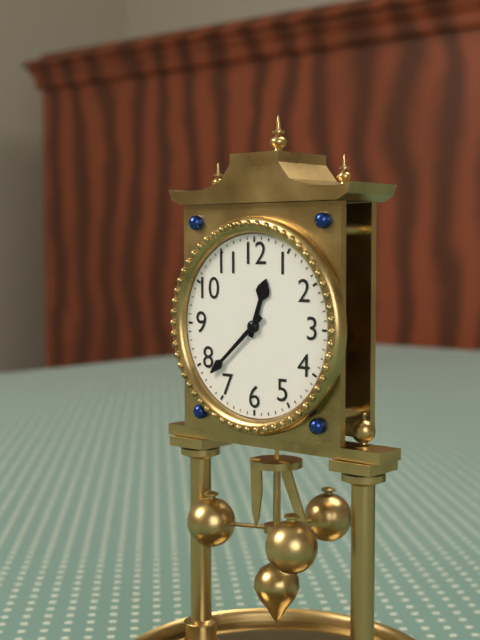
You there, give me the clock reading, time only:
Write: 12:38
